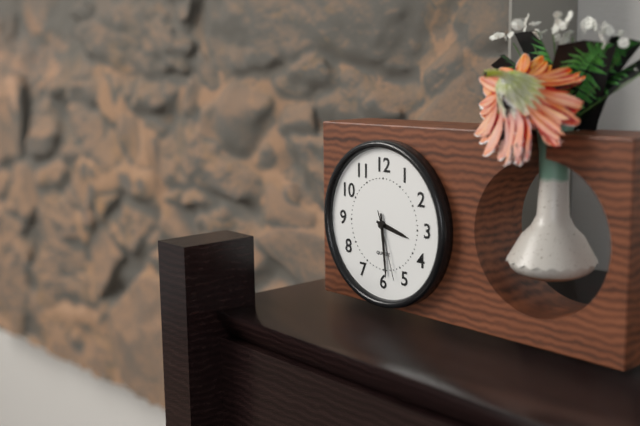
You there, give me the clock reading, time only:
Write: 3:29:27
